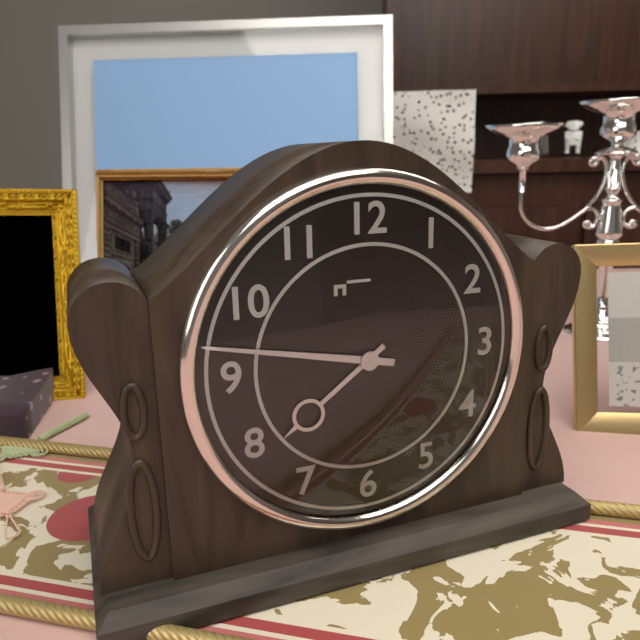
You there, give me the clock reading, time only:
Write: 7:47
